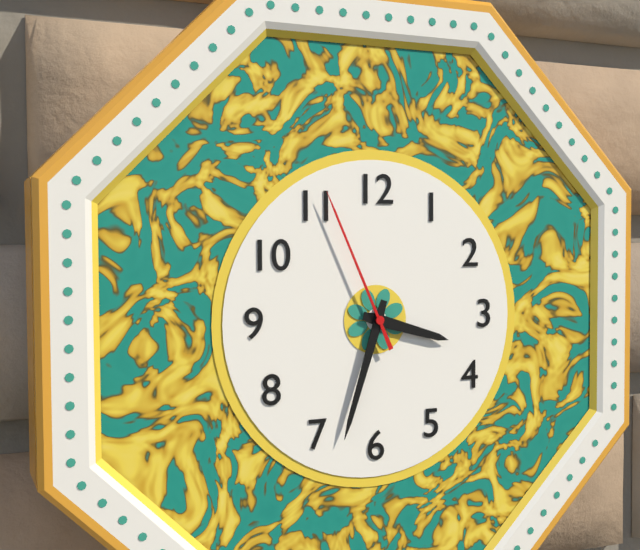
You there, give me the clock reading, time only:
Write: 3:33:56
